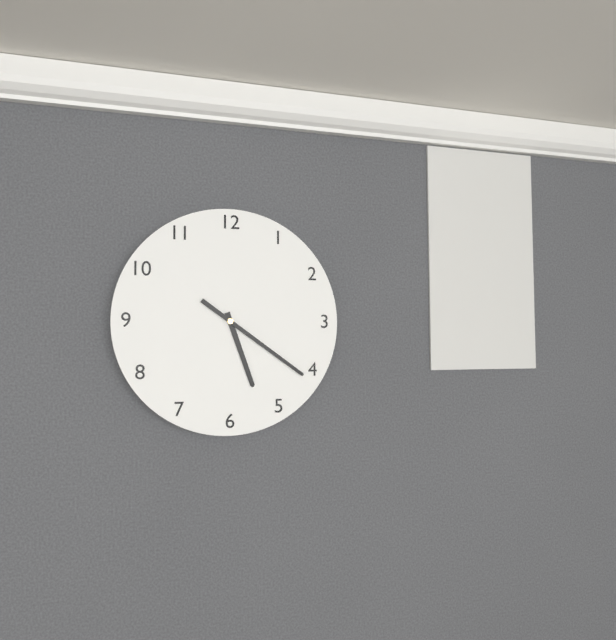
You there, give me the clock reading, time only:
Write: 5:21
